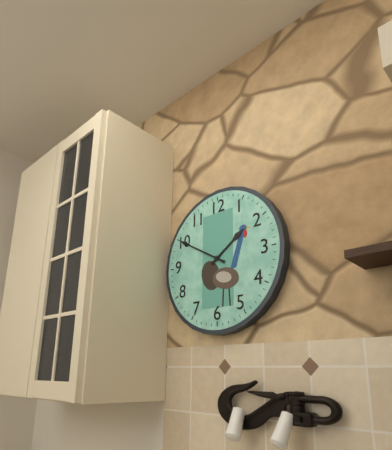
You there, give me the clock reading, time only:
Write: 1:50
